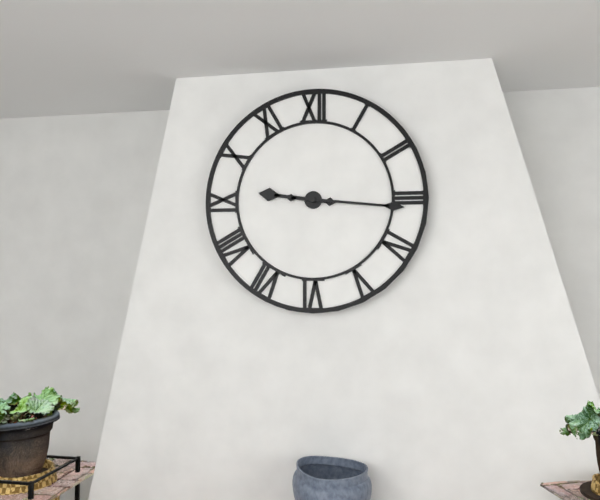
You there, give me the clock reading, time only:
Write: 9:16
